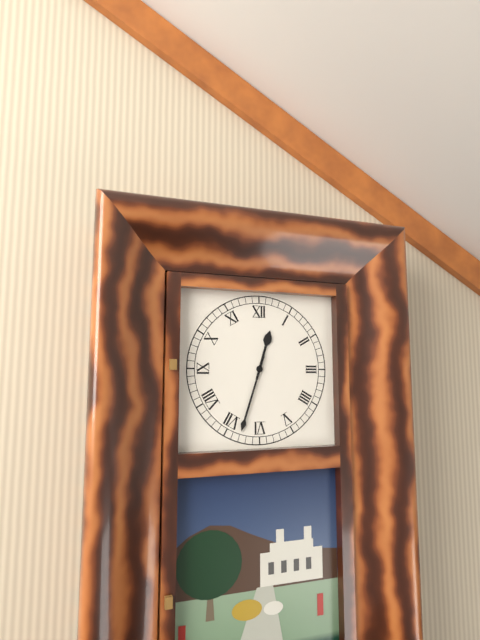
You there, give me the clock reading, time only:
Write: 12:33
